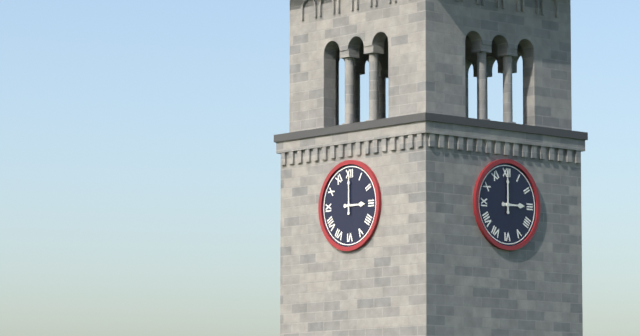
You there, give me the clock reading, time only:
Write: 3:00
